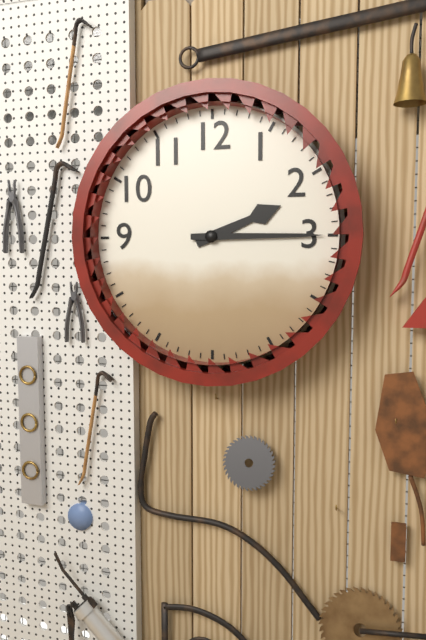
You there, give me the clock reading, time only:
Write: 2:15
